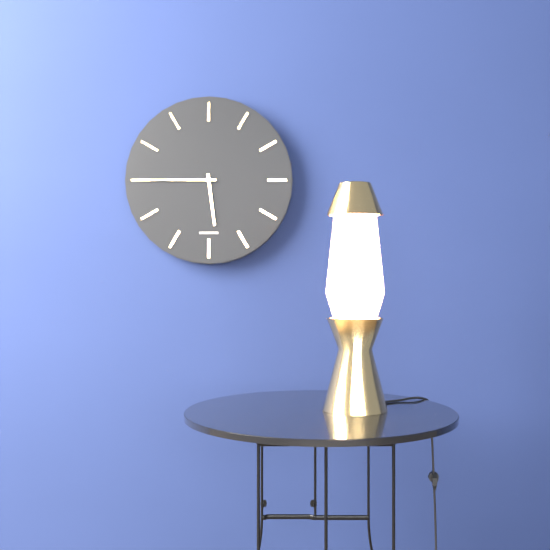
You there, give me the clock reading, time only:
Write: 5:45
